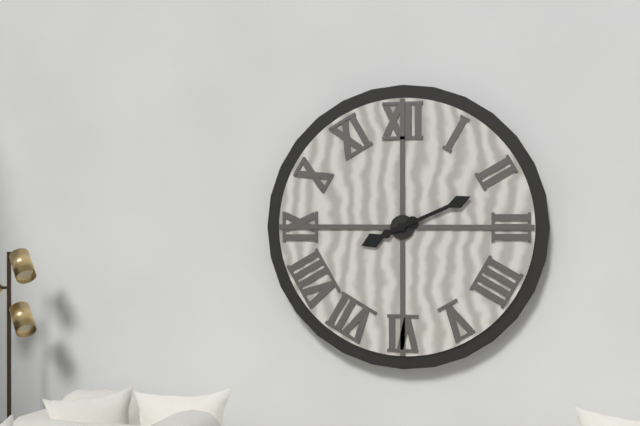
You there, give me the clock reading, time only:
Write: 8:11
